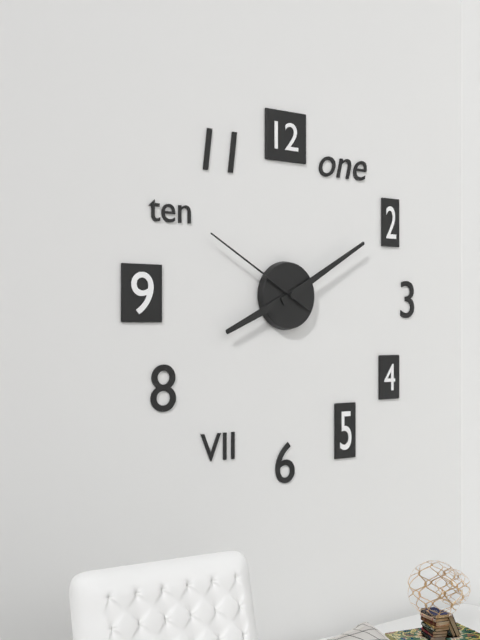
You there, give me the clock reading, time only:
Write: 8:10:50
